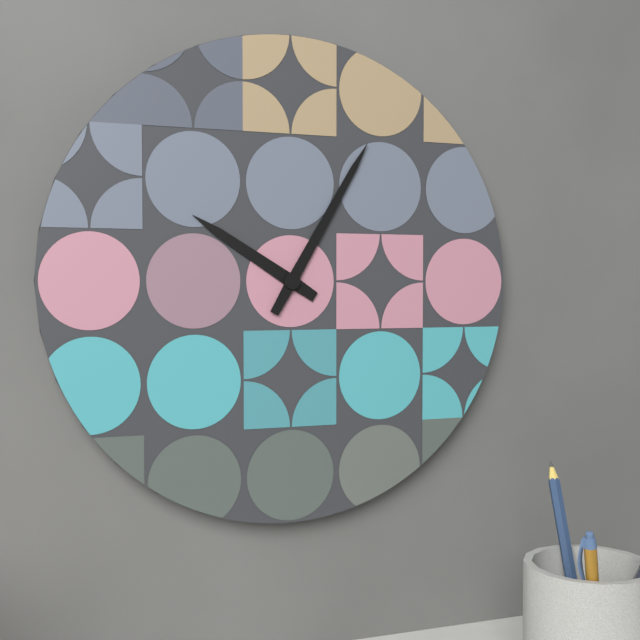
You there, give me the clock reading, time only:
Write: 10:05
